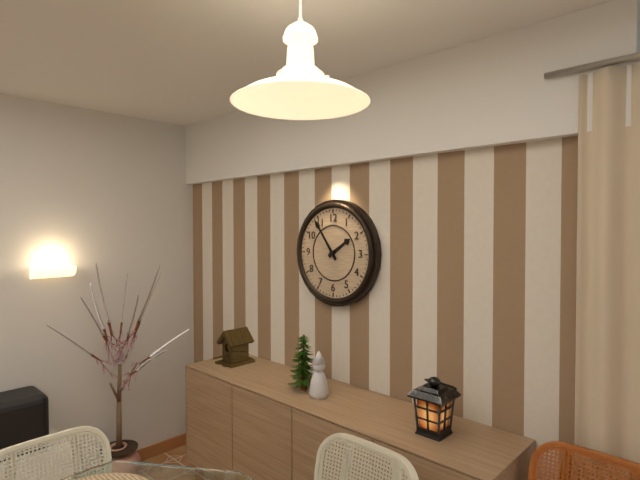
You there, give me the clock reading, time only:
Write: 1:54
